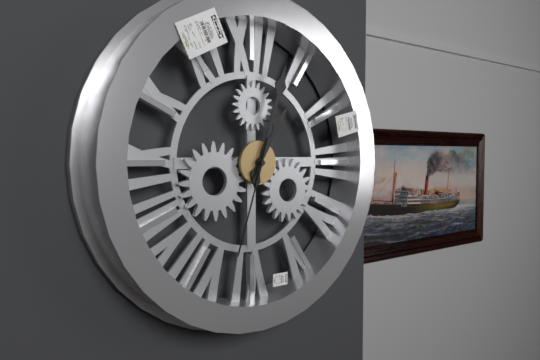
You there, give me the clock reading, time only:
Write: 1:03:33
